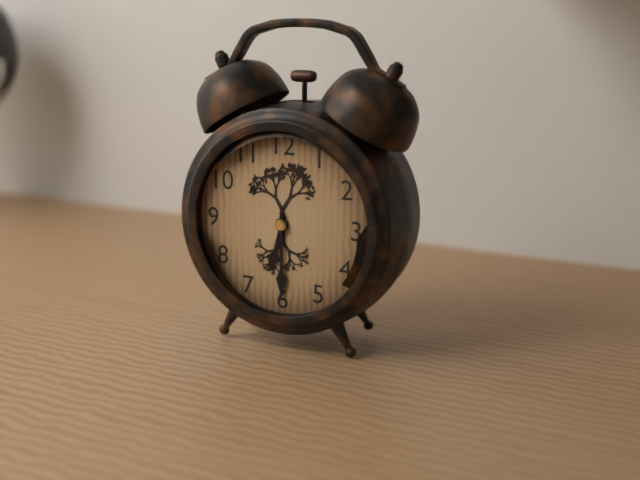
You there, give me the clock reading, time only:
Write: 6:30
